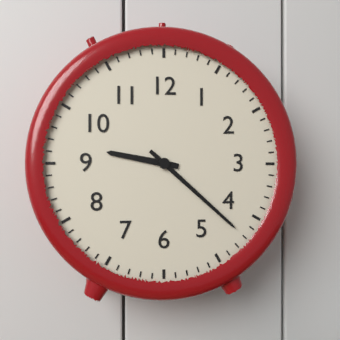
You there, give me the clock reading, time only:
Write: 9:22
